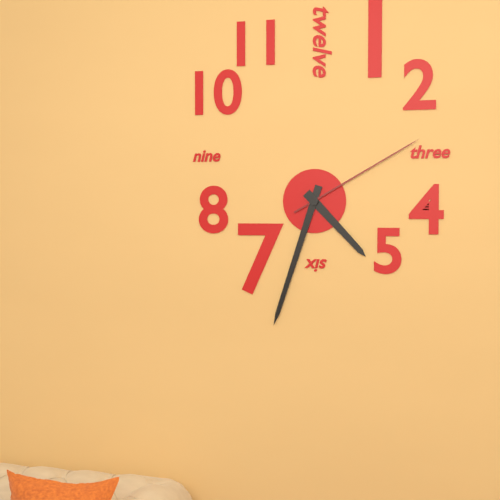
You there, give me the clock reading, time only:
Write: 4:33:10
